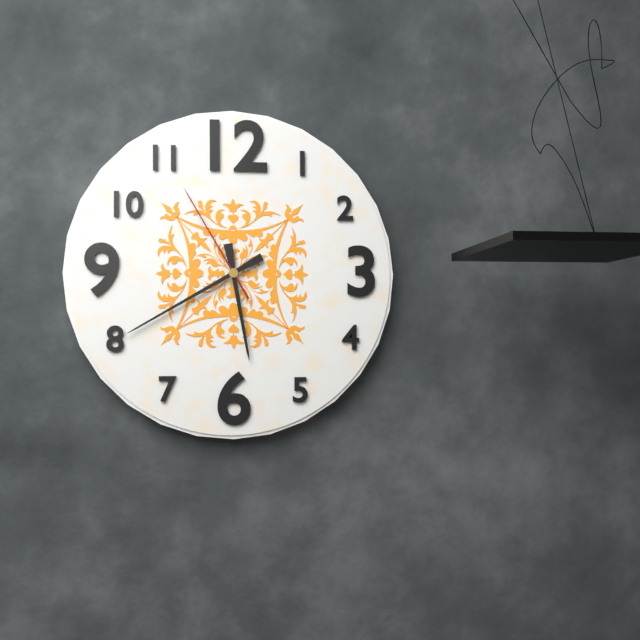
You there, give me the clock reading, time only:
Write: 5:40:55
